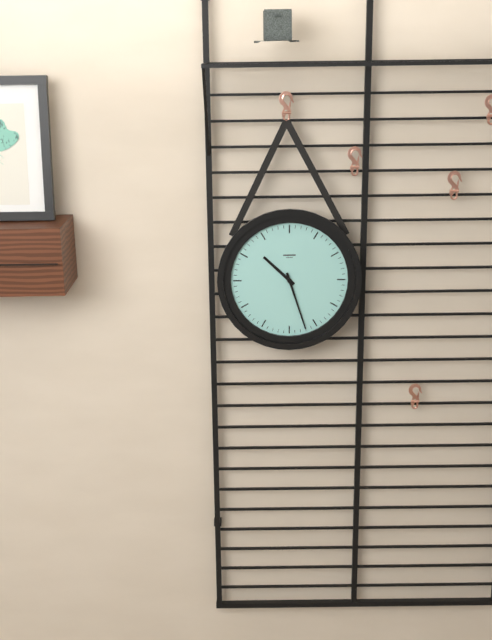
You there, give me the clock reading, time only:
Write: 10:27
